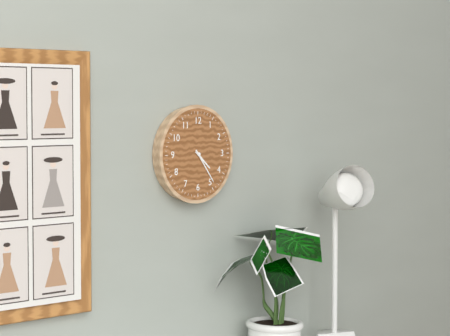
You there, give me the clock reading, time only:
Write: 4:24
